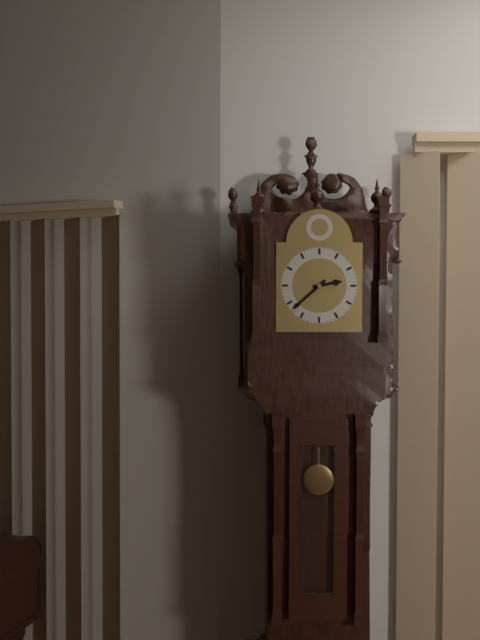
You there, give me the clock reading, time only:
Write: 2:38
